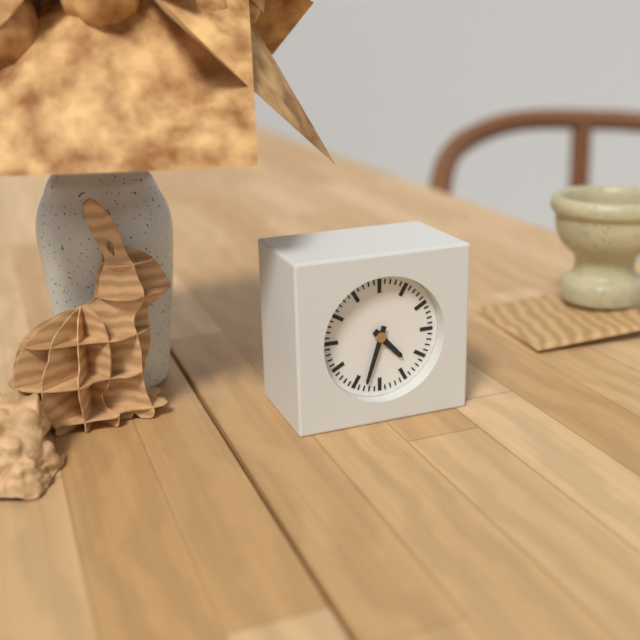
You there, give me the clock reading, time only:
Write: 4:33
